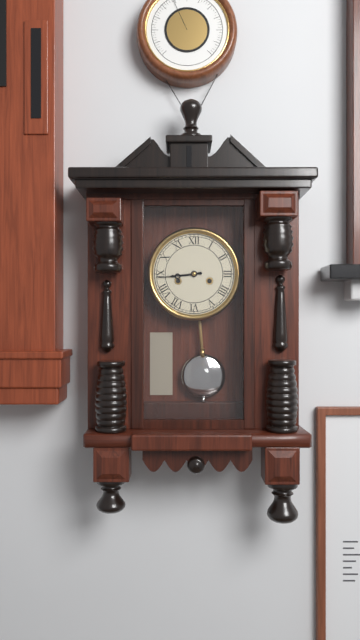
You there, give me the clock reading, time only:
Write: 8:44
